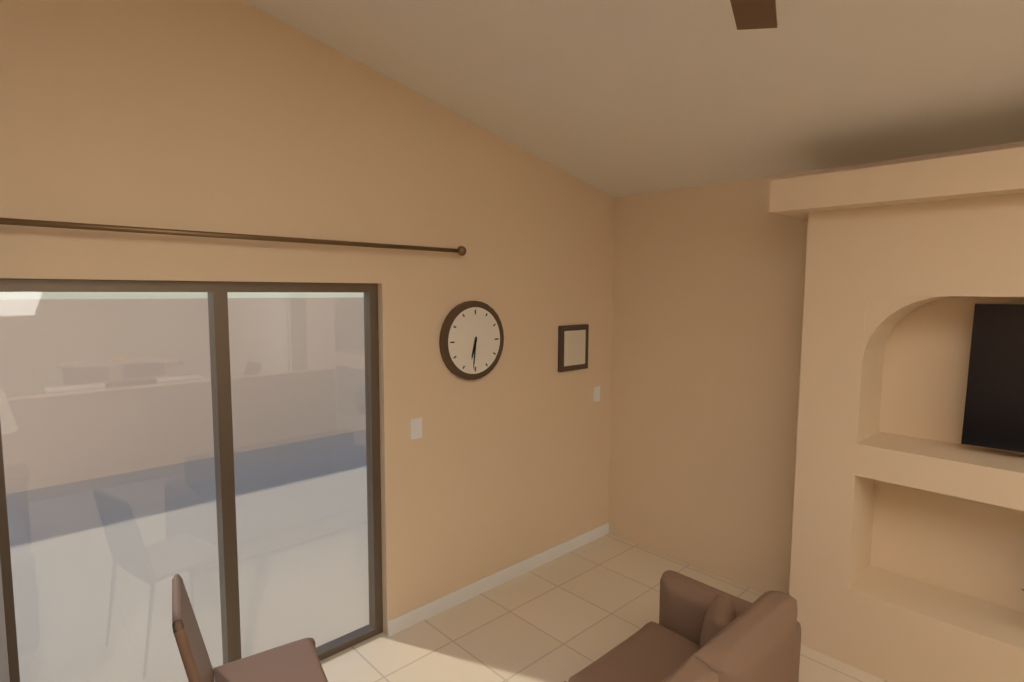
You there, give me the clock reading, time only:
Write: 6:31
